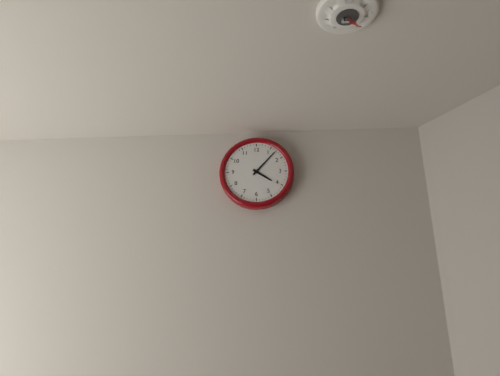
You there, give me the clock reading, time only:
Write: 4:07
